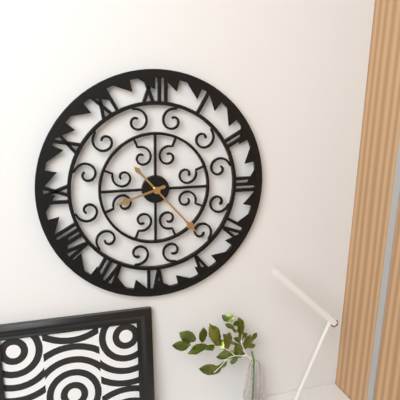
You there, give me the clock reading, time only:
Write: 8:23
